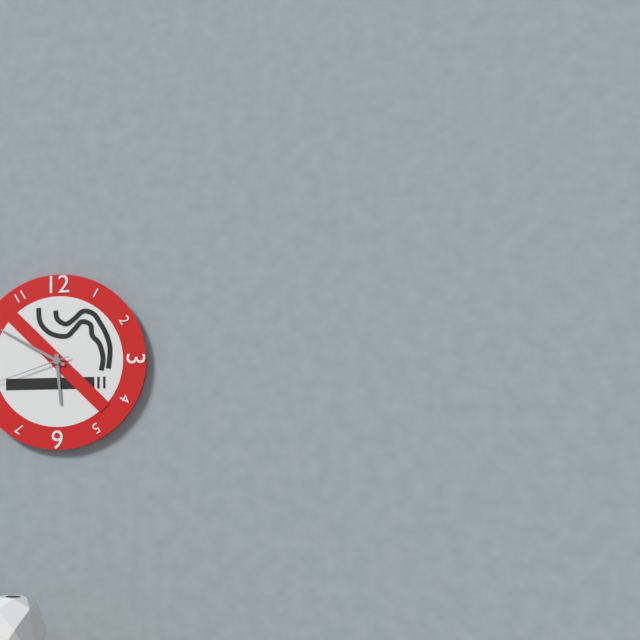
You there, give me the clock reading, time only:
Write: 5:50
